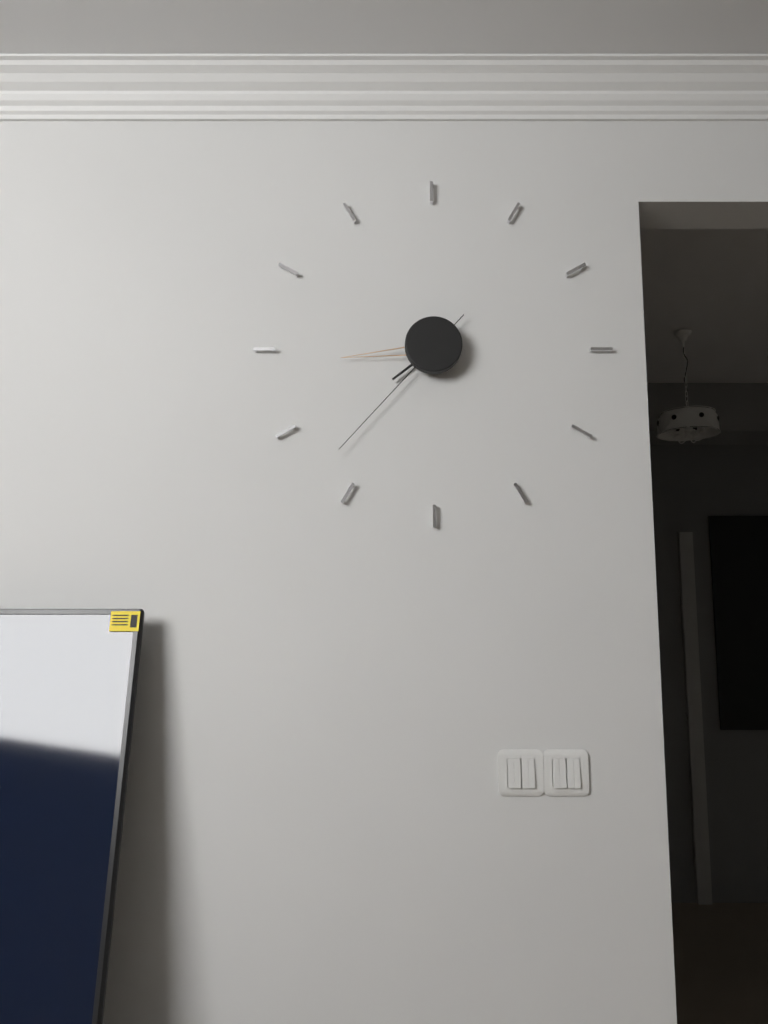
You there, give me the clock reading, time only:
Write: 7:44:37
